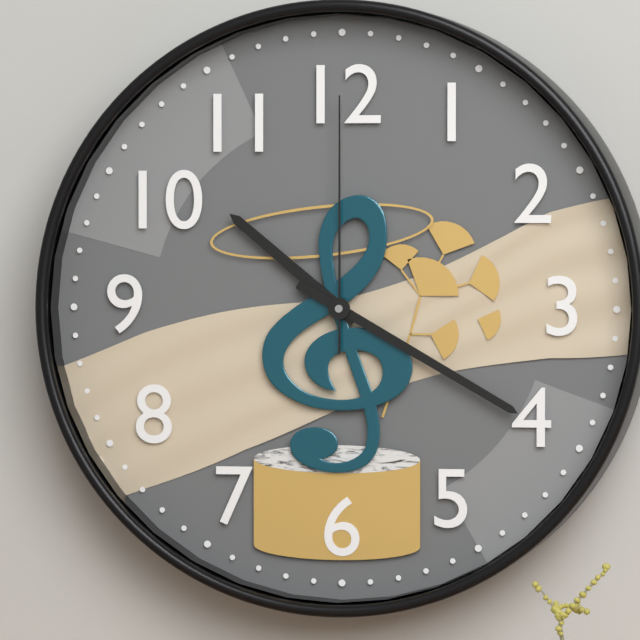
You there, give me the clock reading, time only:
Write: 10:20:00
